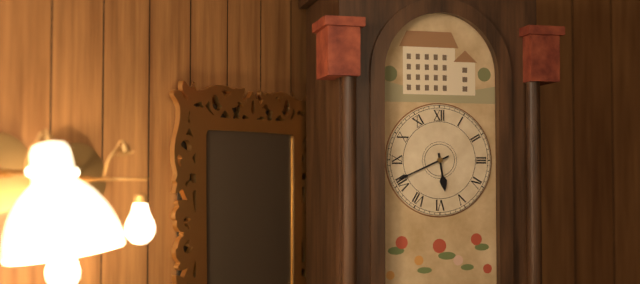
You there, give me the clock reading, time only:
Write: 5:41
